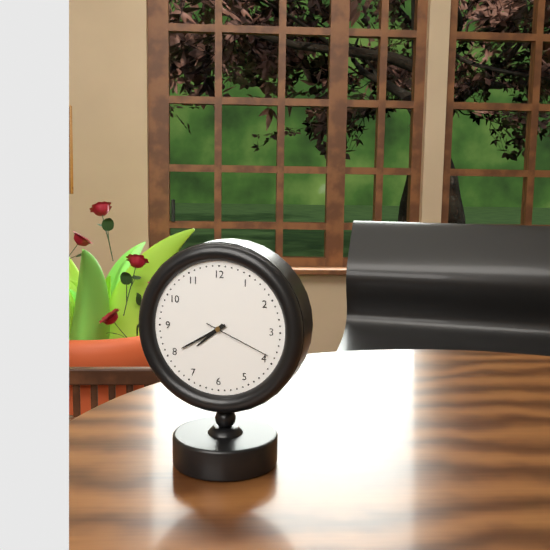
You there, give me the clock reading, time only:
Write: 7:40:19
